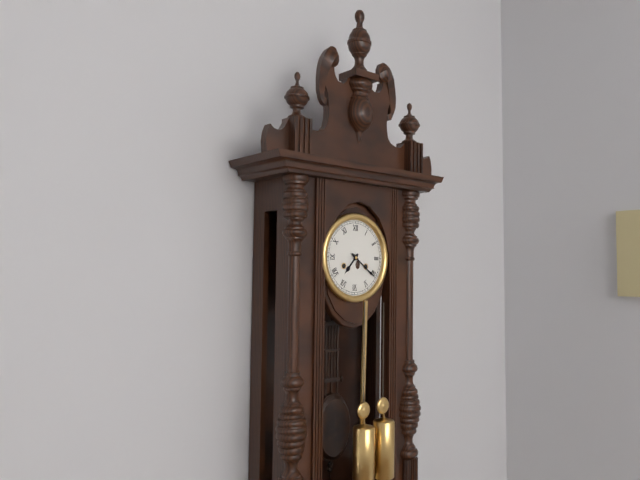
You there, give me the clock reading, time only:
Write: 7:21
